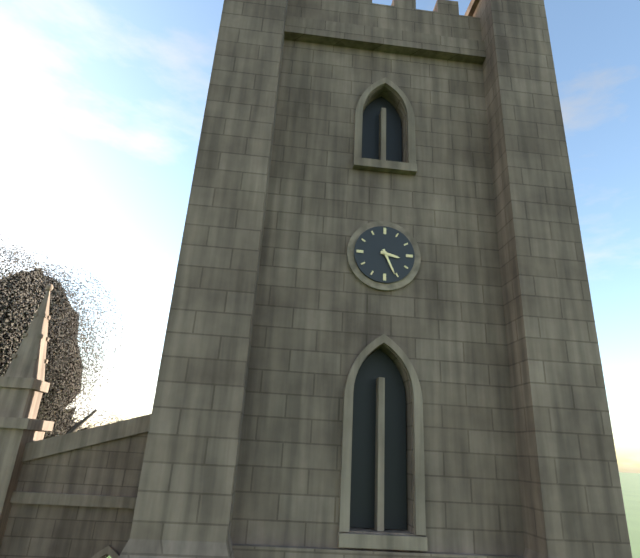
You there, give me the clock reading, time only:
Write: 3:26
